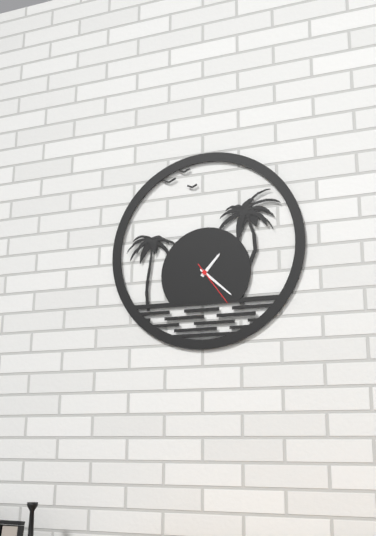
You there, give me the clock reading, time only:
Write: 1:22
